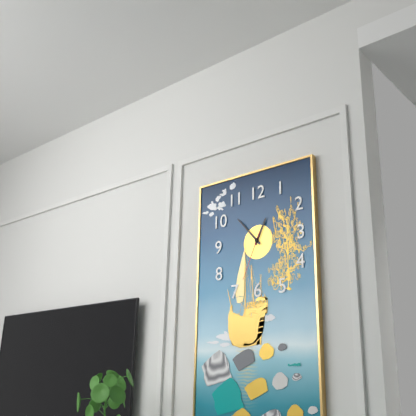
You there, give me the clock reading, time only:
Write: 12:53:34
